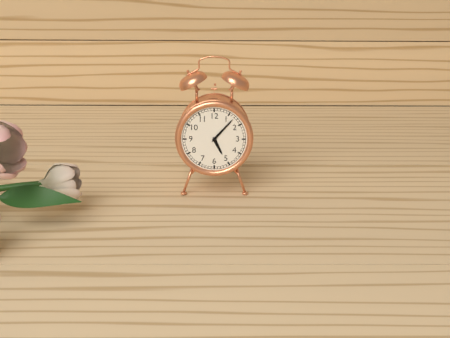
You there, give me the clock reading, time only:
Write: 5:07
